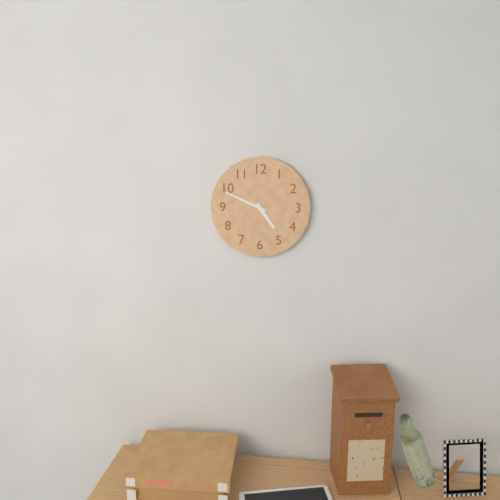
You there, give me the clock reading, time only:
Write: 4:49
